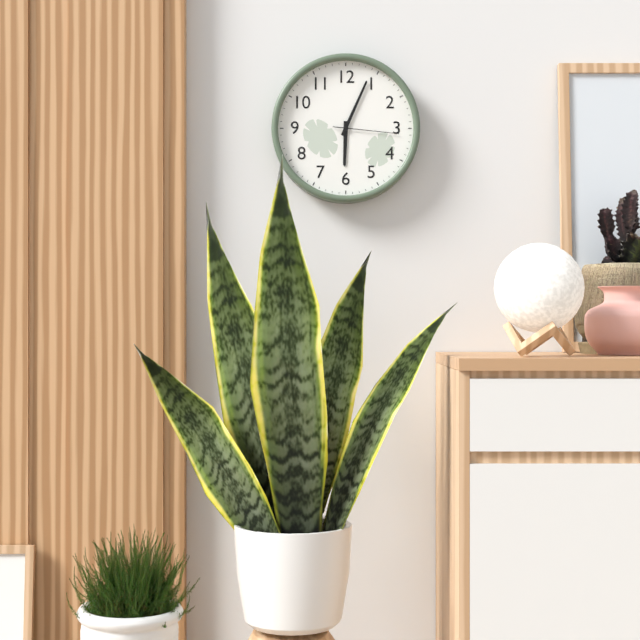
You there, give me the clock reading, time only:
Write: 6:04:16
